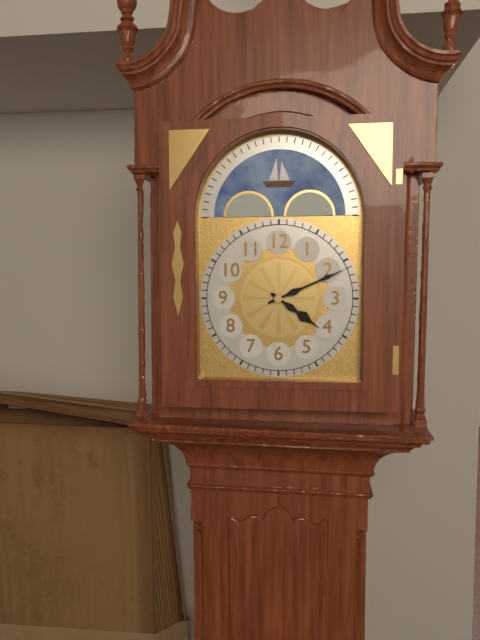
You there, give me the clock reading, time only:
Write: 4:11
